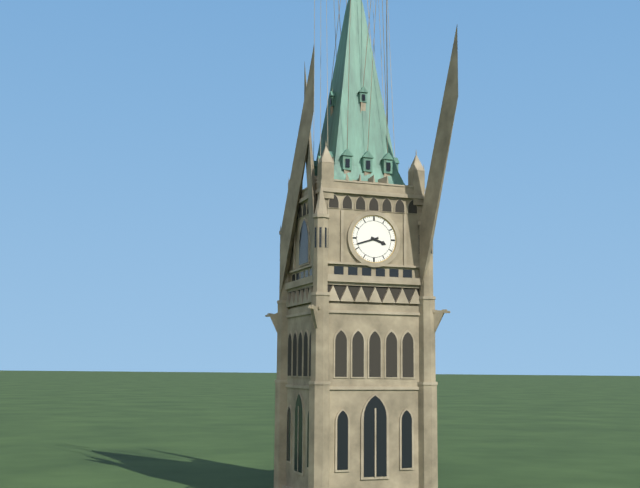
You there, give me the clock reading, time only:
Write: 3:42
